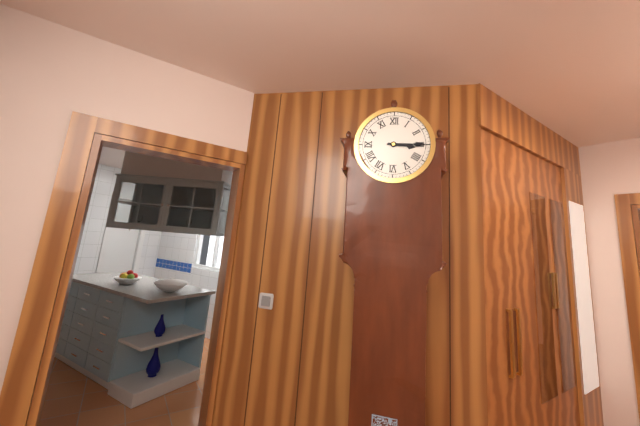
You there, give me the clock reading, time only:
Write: 3:15
